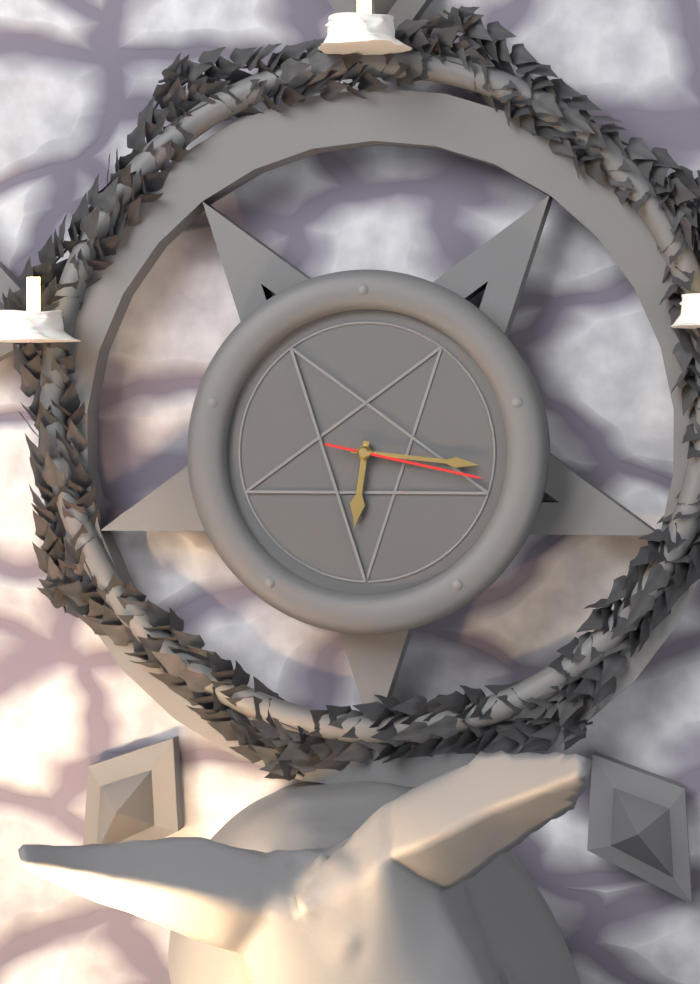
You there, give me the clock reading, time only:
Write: 6:16:17
